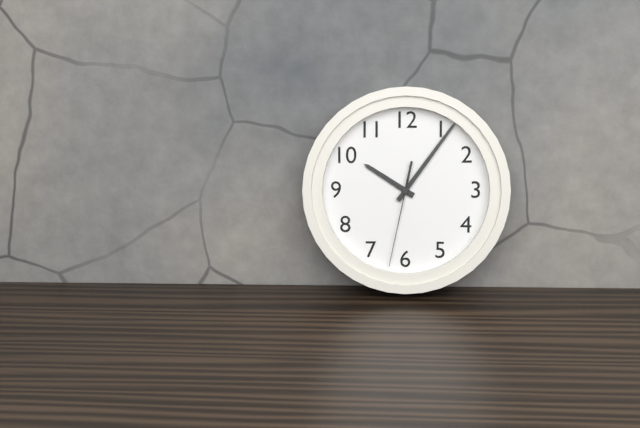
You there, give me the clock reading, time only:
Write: 10:06:32
